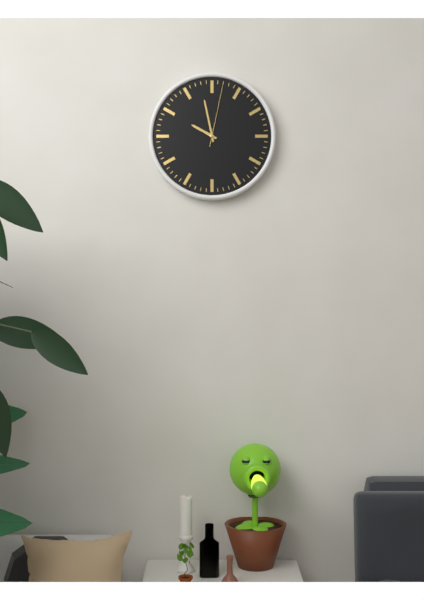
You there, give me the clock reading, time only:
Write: 9:58:02
